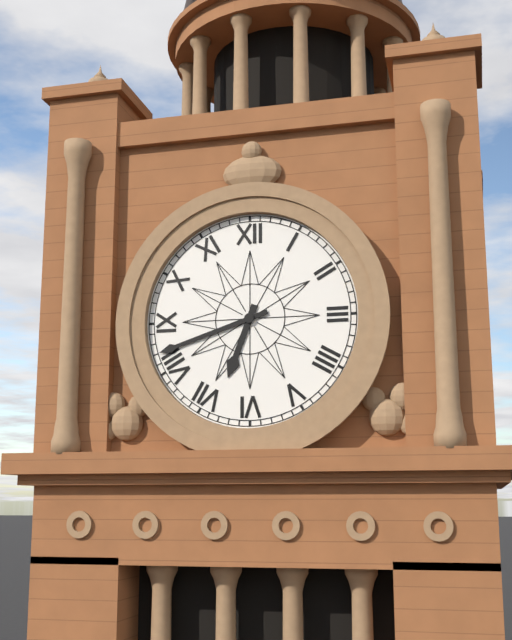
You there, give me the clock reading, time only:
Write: 6:42
